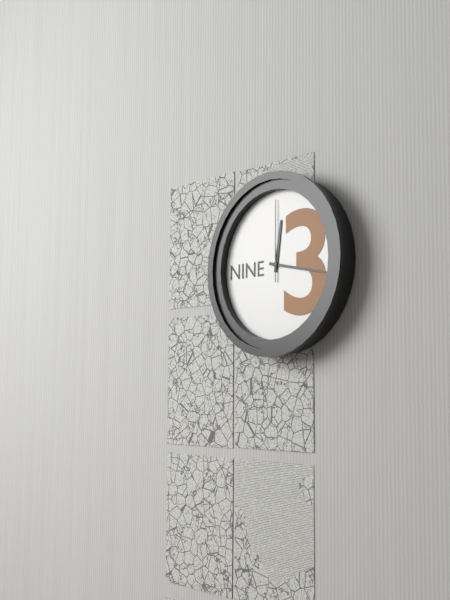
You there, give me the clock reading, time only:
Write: 12:17:00
